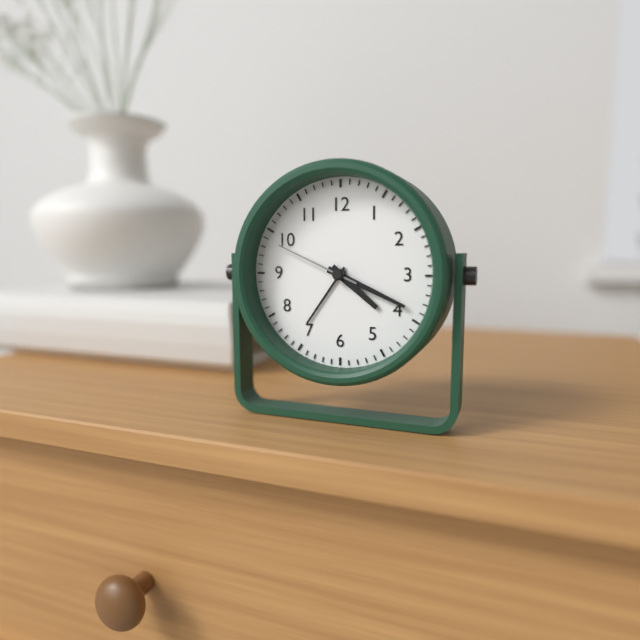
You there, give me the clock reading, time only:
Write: 4:19:49
